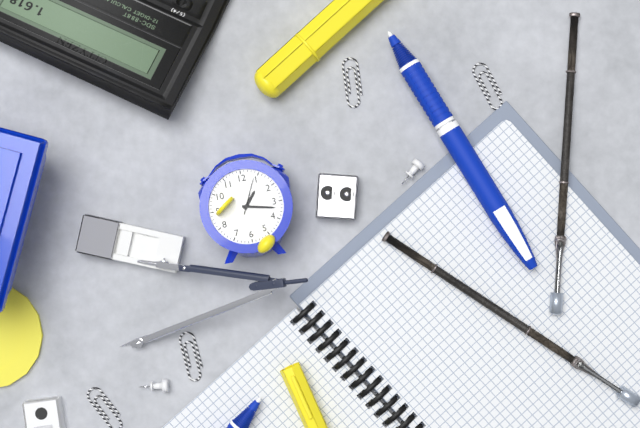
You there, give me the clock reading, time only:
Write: 1:17
